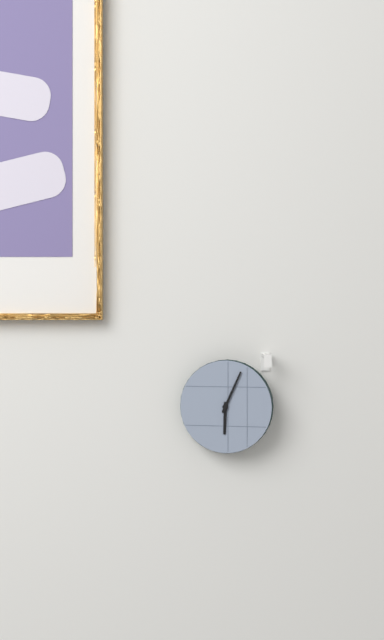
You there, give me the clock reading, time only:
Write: 6:04
